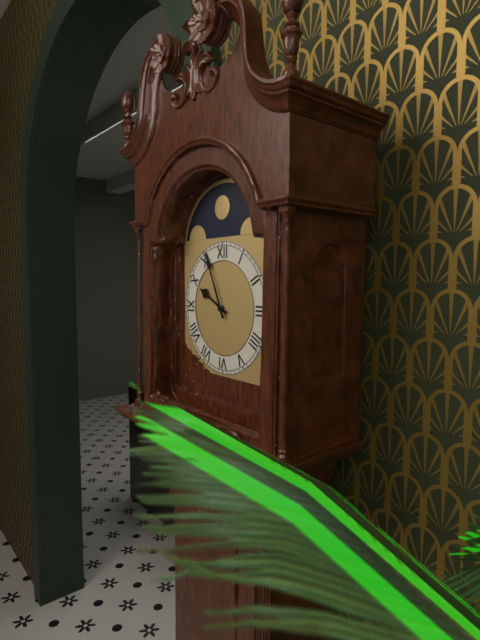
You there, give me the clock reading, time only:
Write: 9:56
